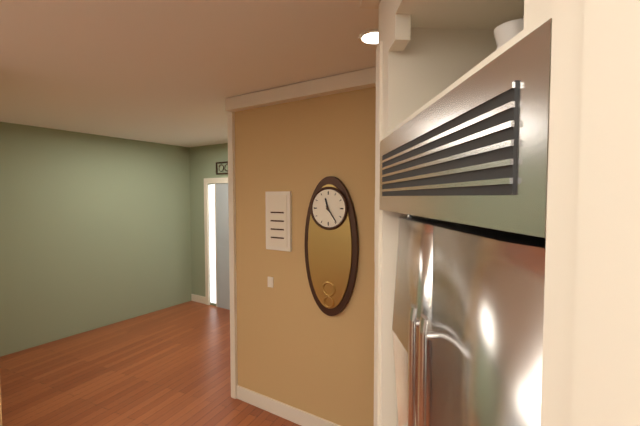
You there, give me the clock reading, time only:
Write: 11:24
